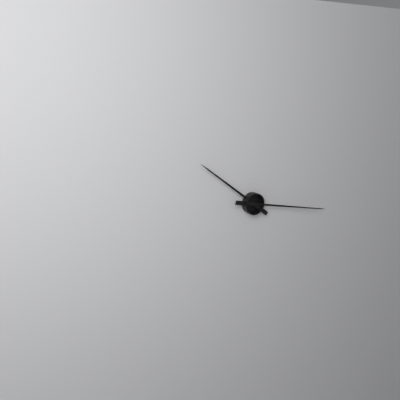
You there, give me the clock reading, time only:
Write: 10:17
